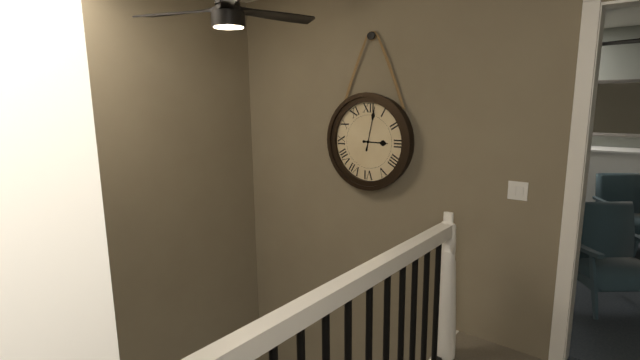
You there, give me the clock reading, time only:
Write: 3:02
